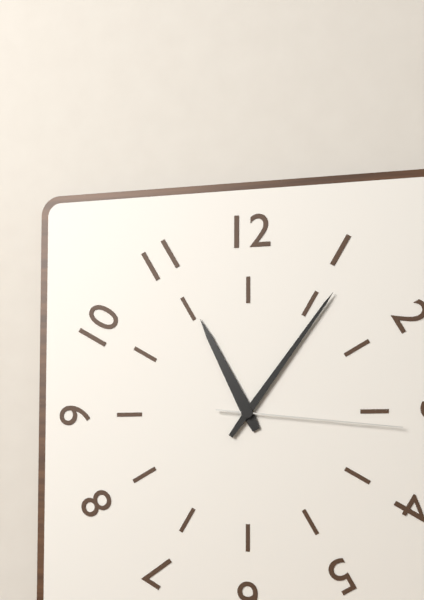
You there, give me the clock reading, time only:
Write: 11:06:16
